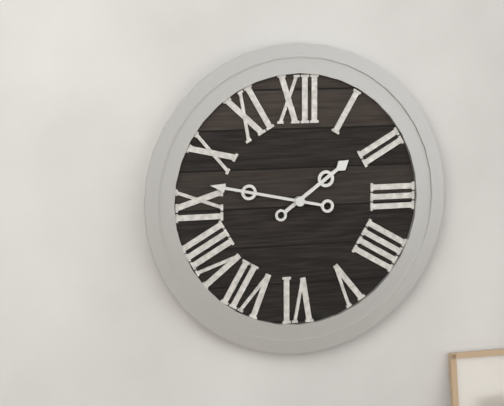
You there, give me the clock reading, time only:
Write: 1:47
